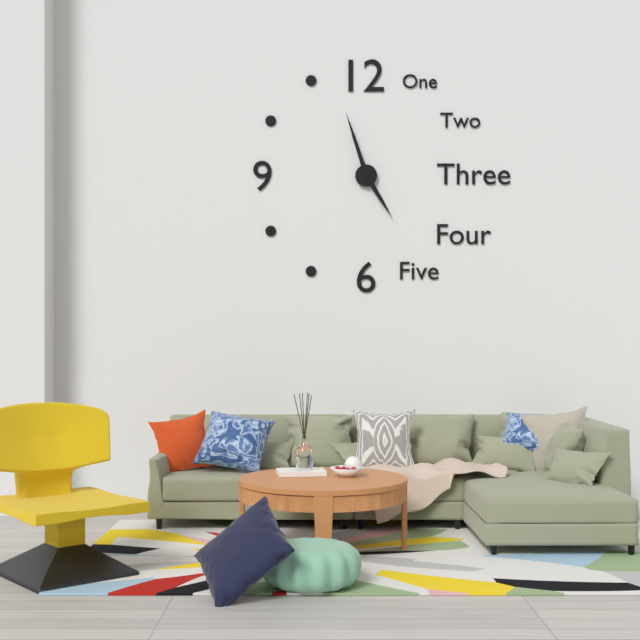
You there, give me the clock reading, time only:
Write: 4:57
